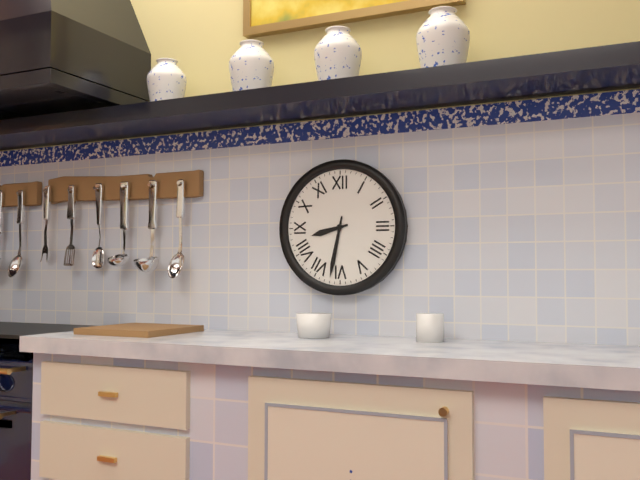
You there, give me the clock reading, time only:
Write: 8:32
